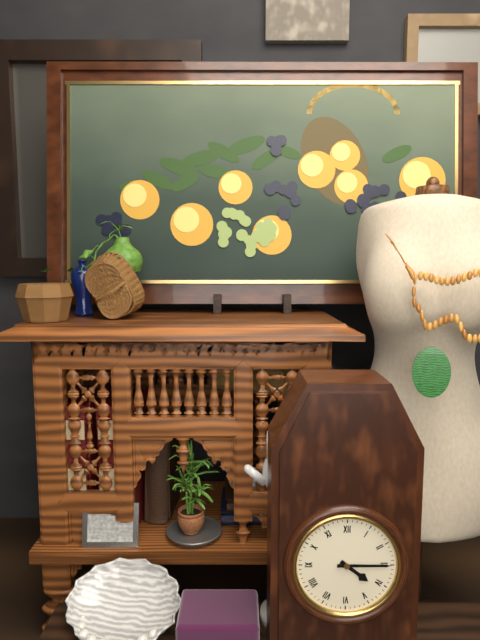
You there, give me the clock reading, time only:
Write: 4:15
